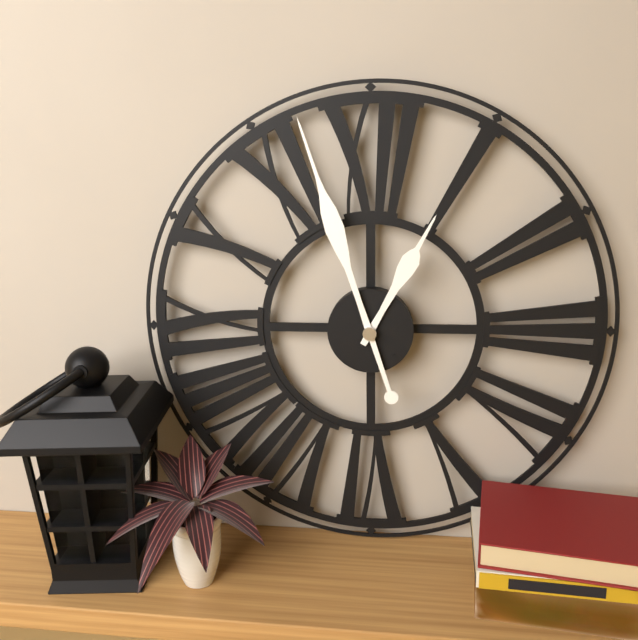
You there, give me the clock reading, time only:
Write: 12:57
